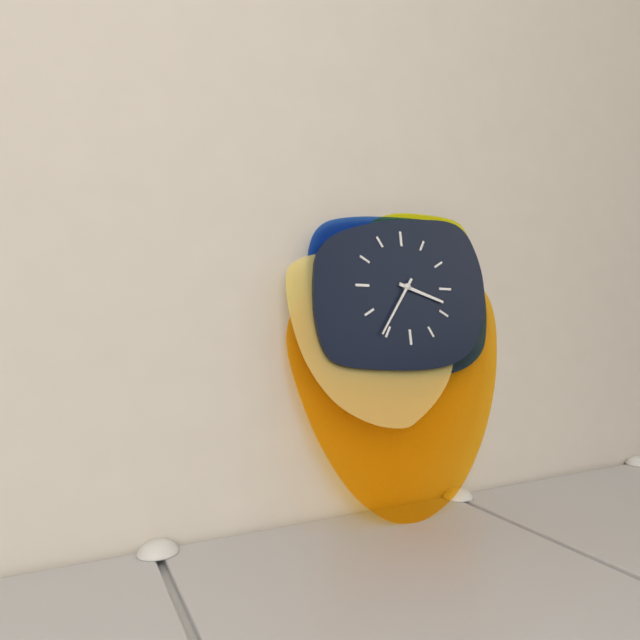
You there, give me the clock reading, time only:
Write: 3:36
